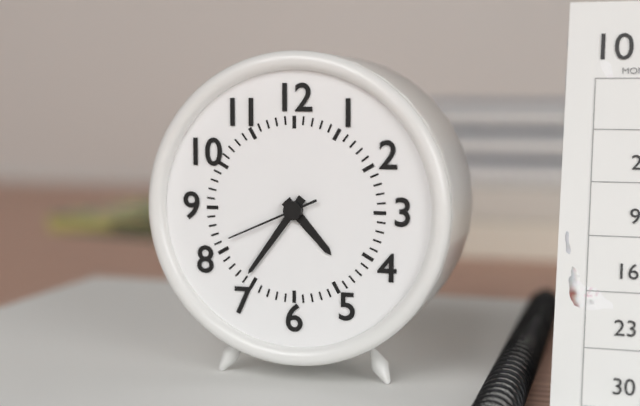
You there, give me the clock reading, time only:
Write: 4:36:41
